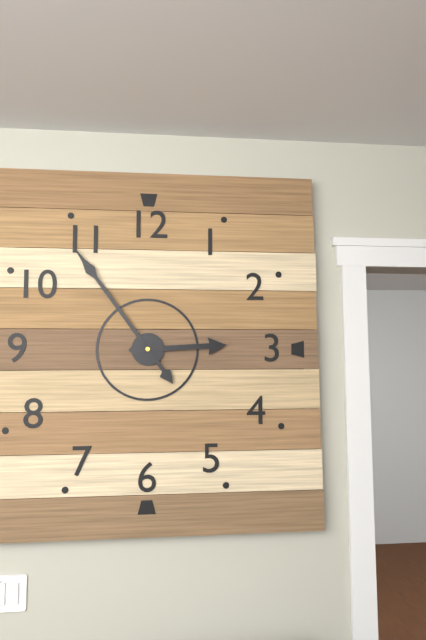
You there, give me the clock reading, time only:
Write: 2:54
